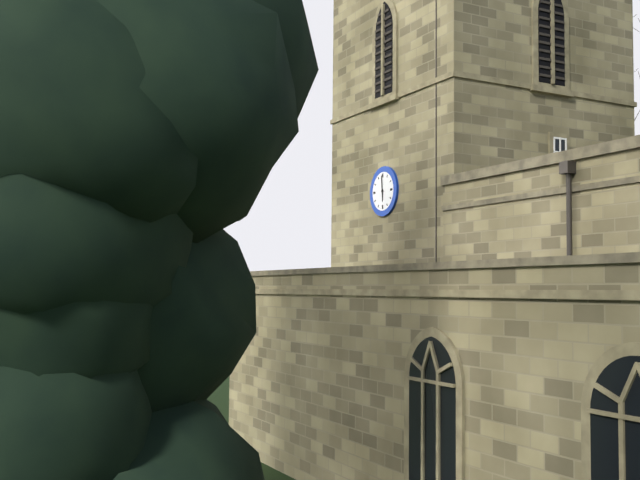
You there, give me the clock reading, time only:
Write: 5:59
